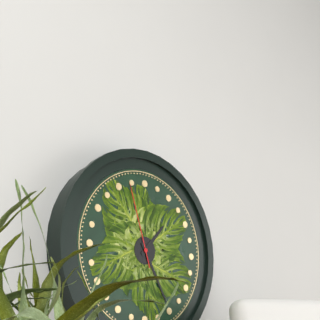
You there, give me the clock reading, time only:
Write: 1:25:57
